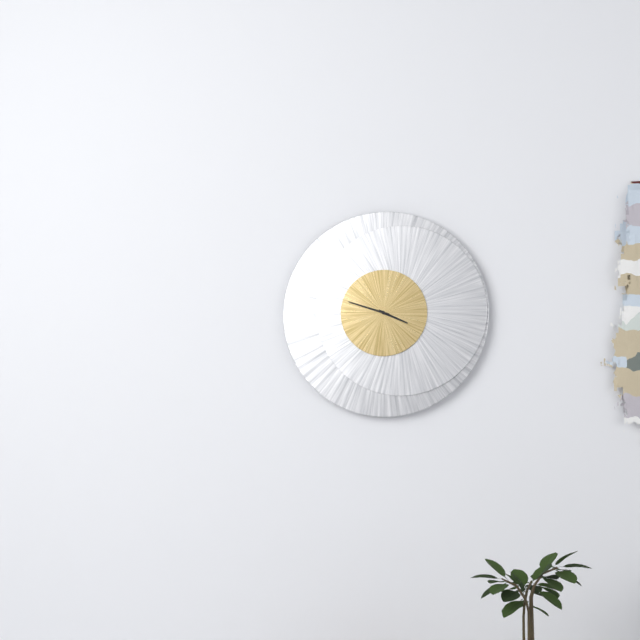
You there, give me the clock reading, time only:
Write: 3:48
